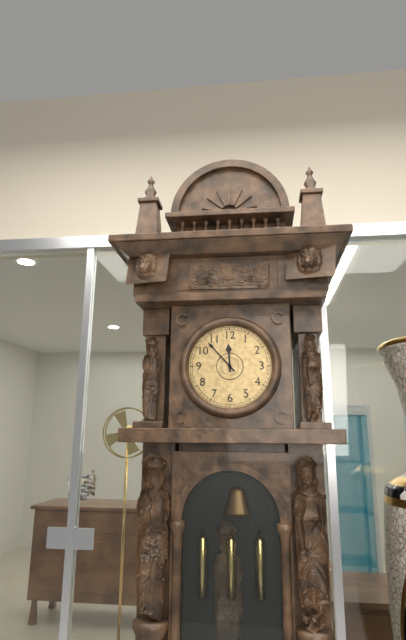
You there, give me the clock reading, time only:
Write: 11:53
